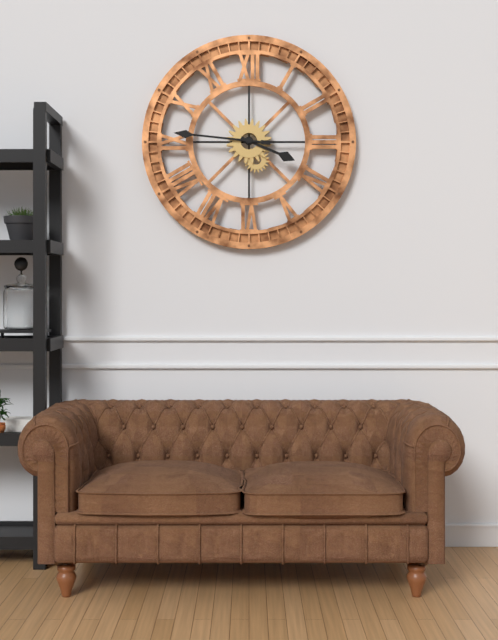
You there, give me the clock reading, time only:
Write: 3:46
